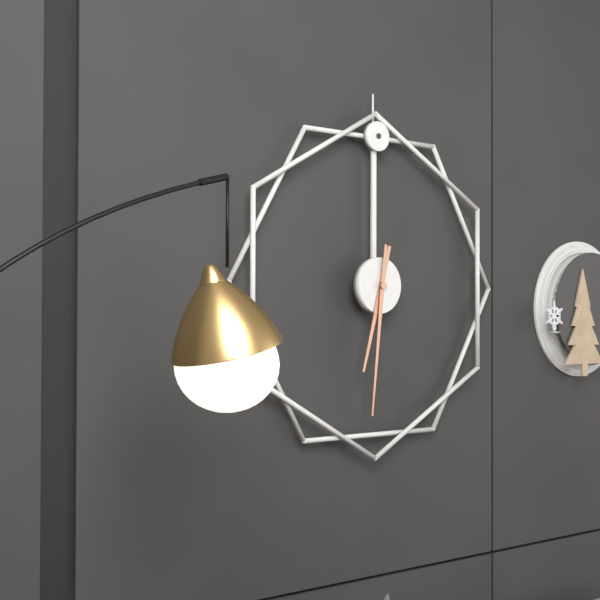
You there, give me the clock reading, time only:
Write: 6:31
